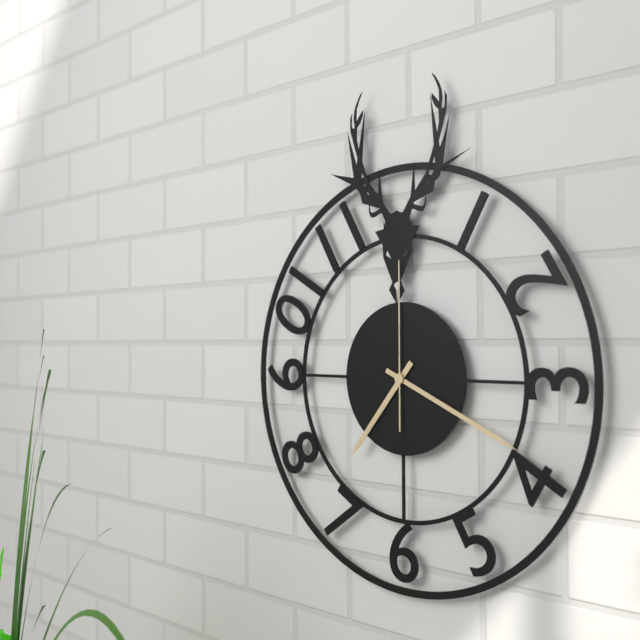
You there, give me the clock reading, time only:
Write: 7:19:00
